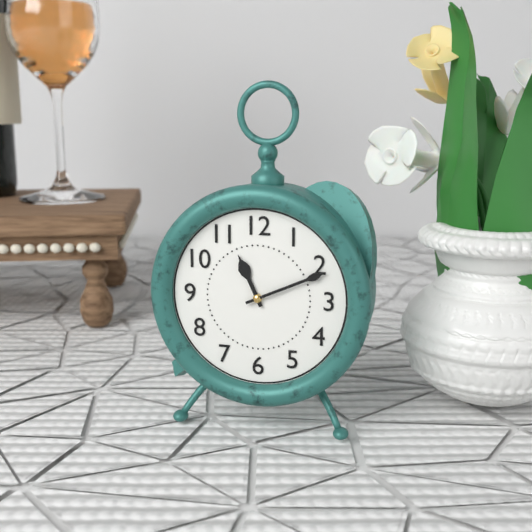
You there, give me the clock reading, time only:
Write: 11:11
